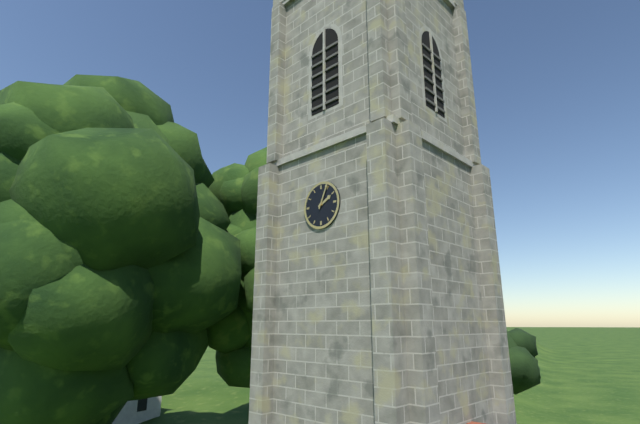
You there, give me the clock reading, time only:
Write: 2:04
